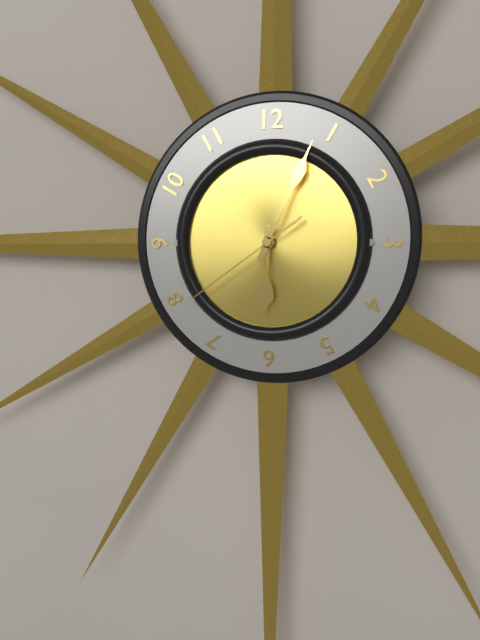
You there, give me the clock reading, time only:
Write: 6:04:39
